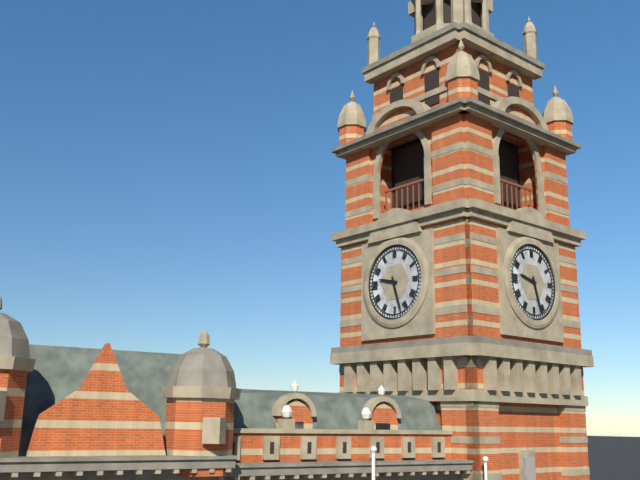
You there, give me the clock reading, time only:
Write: 9:27
